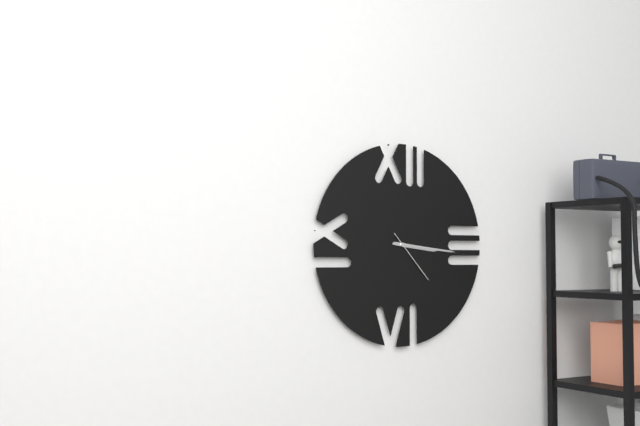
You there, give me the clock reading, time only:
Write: 3:16:23
